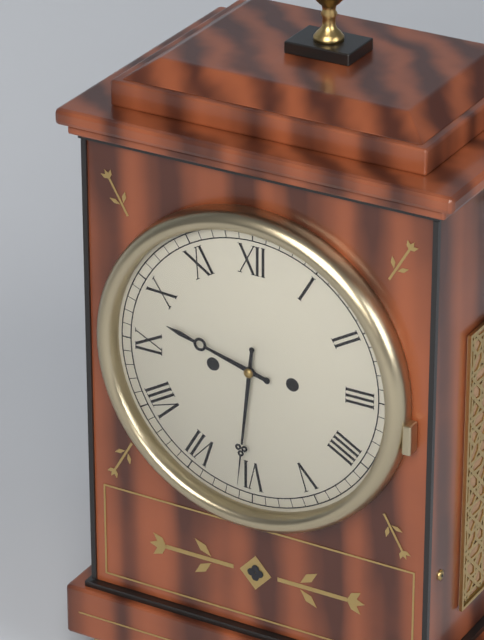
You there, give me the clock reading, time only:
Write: 9:31
